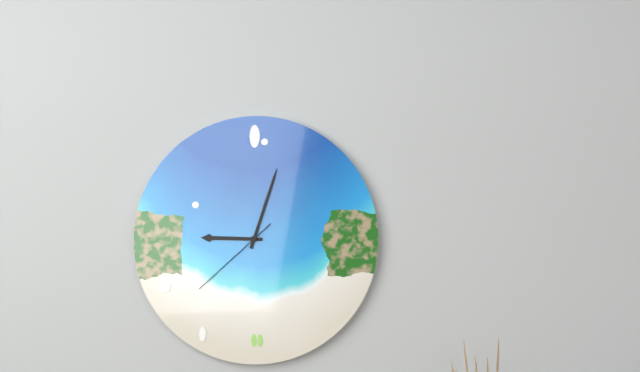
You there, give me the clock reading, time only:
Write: 9:03:38
